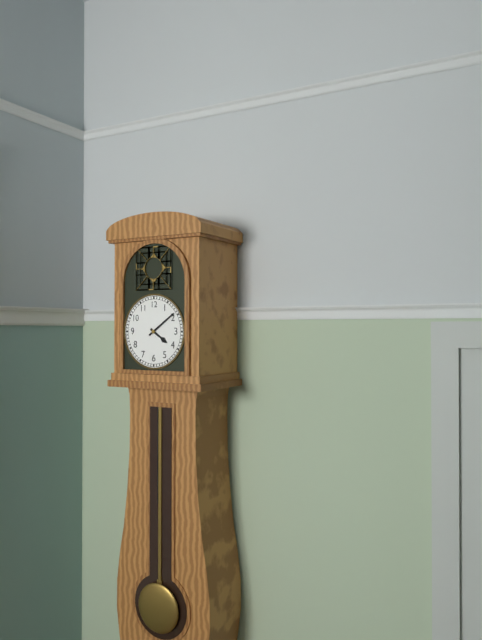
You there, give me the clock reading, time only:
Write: 4:09
